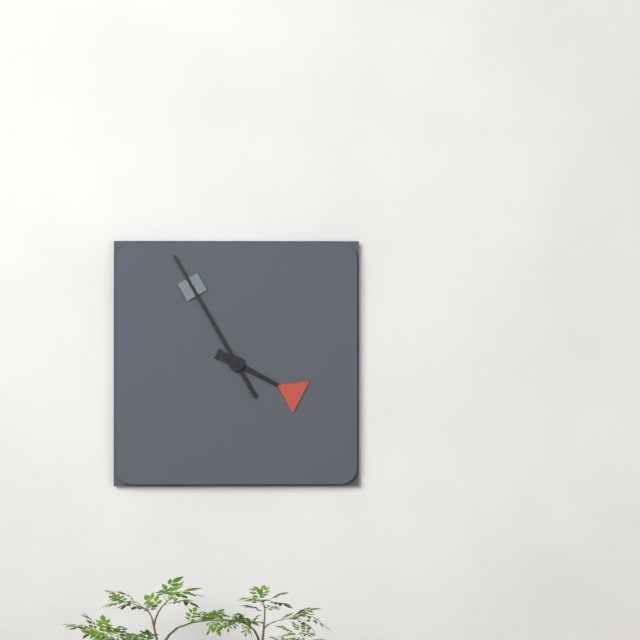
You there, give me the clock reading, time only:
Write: 3:55
